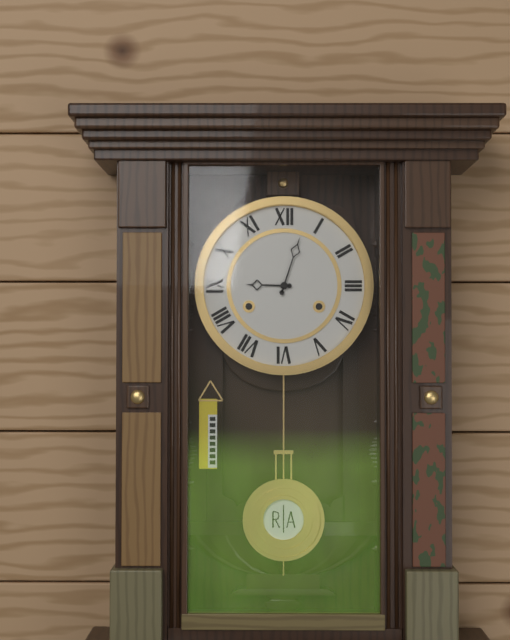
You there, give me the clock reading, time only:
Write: 9:03
